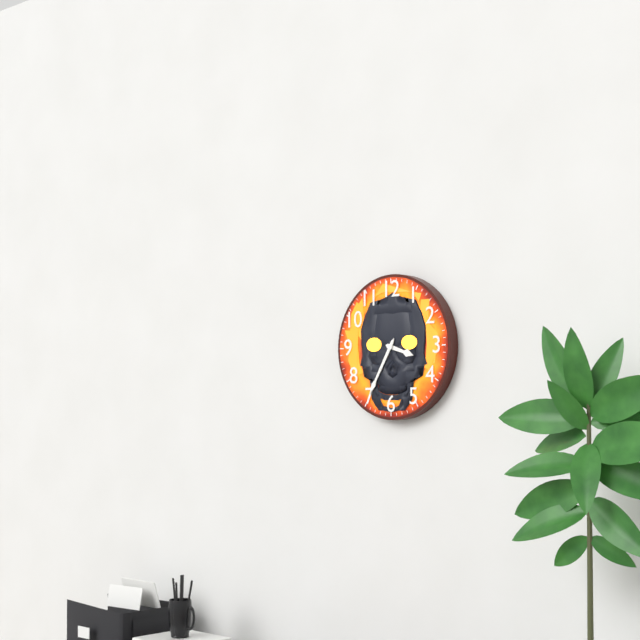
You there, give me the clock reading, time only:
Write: 3:35
